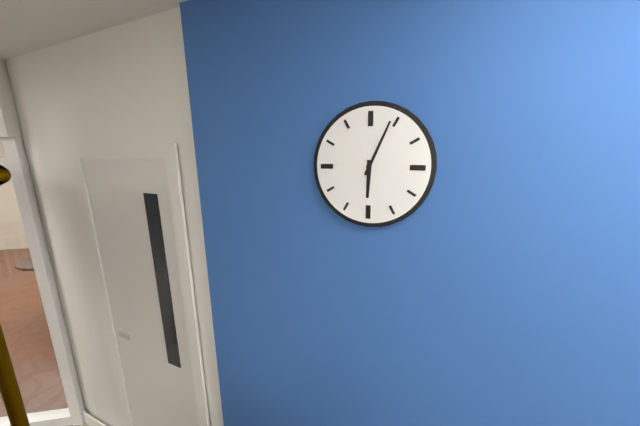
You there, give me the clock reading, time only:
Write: 6:04
